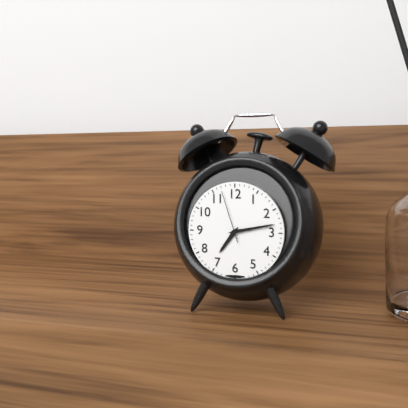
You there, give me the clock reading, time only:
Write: 7:13:57
